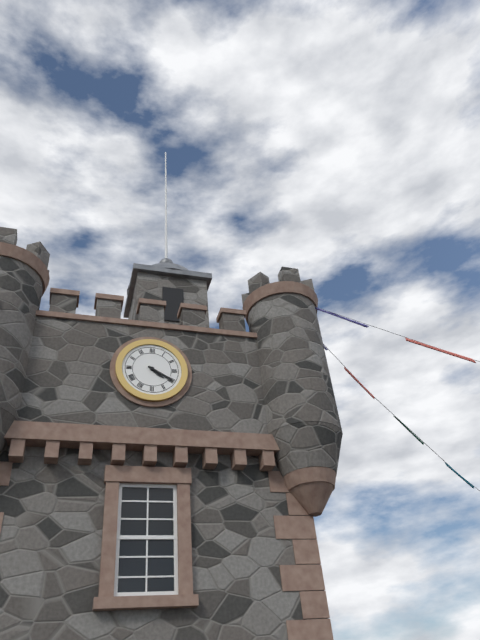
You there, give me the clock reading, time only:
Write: 4:20
